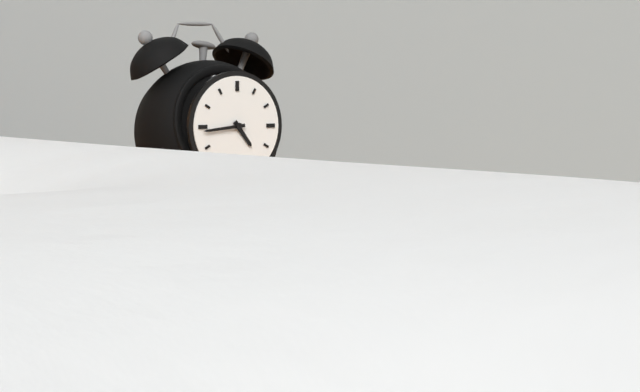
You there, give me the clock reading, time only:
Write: 4:44
